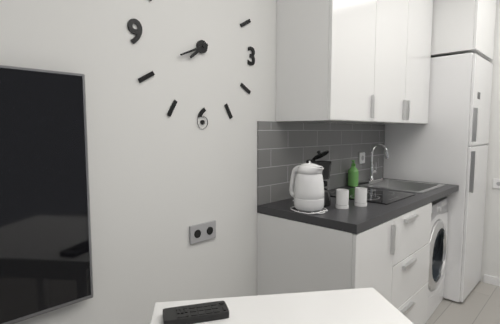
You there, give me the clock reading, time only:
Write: 7:41
